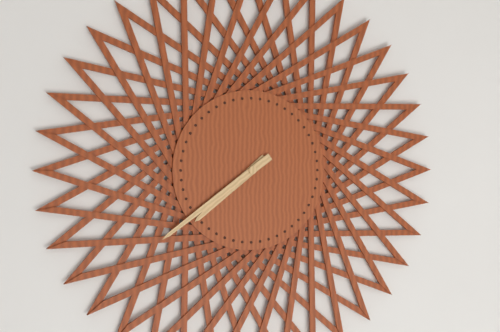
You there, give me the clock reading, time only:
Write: 7:39
